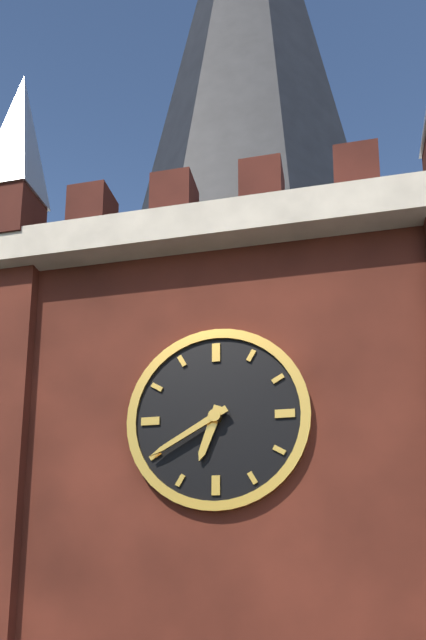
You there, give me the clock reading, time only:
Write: 6:40
